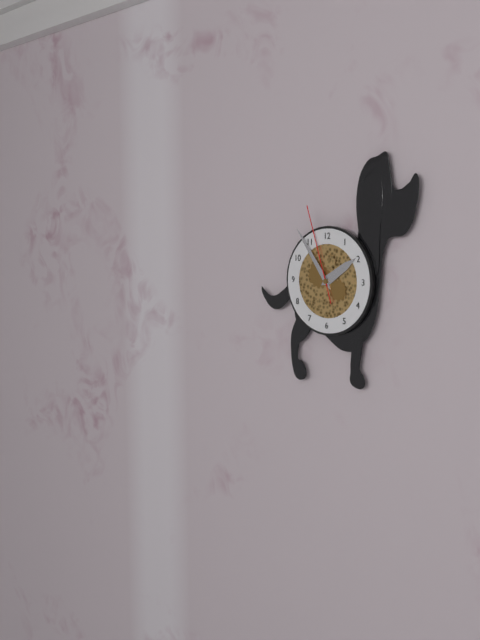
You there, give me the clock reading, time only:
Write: 1:54:57
